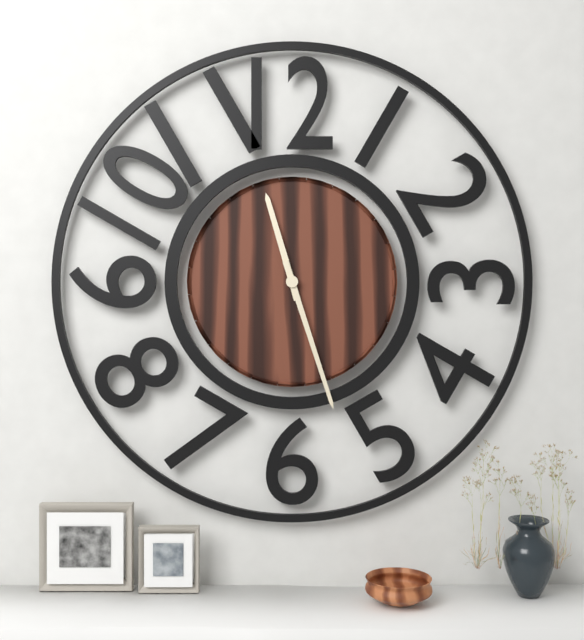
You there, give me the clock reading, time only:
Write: 11:27
